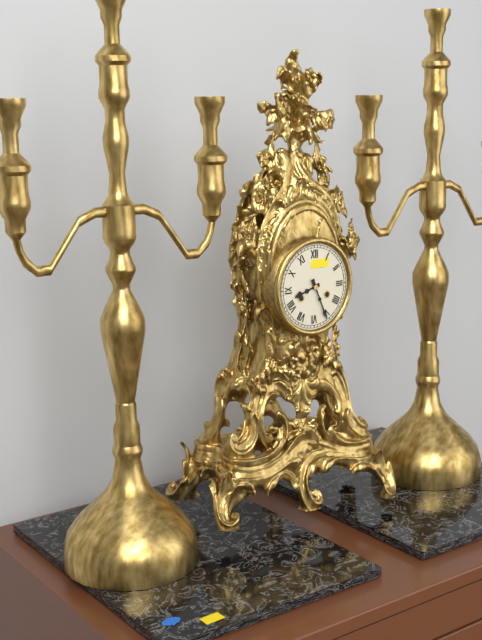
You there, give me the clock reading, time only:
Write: 8:26
